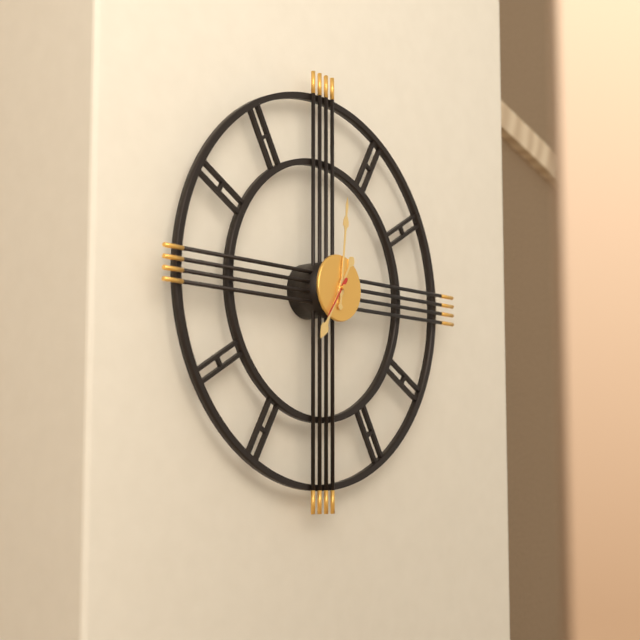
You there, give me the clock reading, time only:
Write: 7:01
